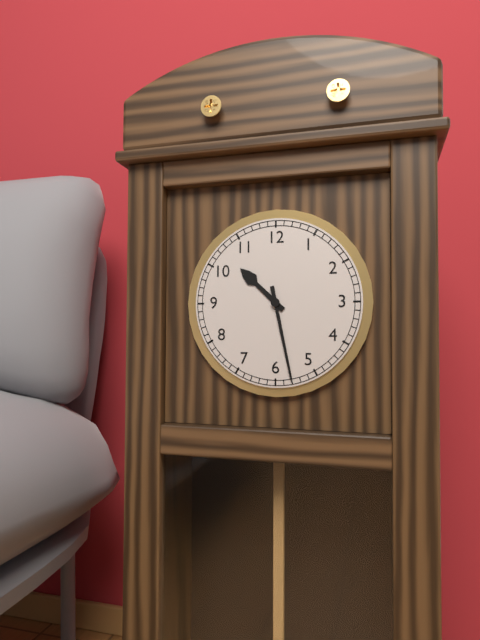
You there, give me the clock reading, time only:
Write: 10:28
